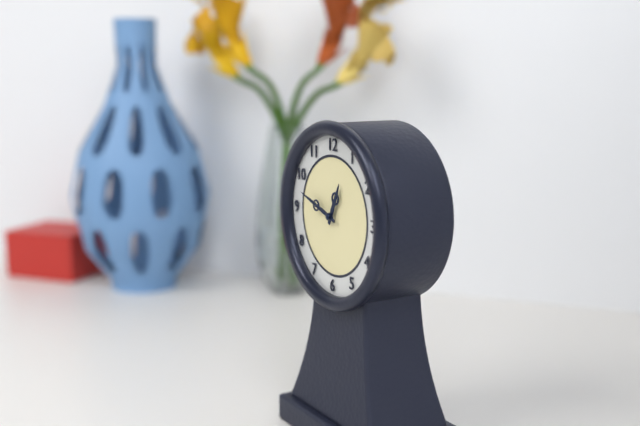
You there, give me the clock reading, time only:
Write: 12:48
